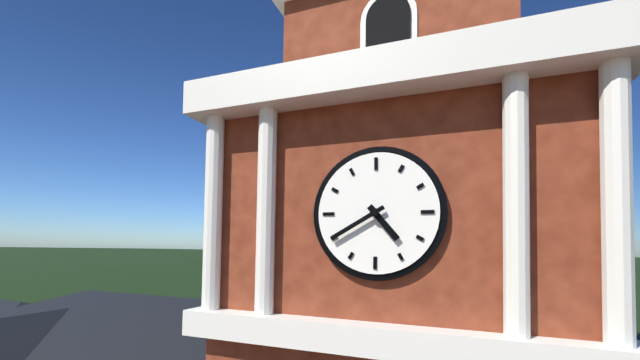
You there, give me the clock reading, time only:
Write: 4:40
